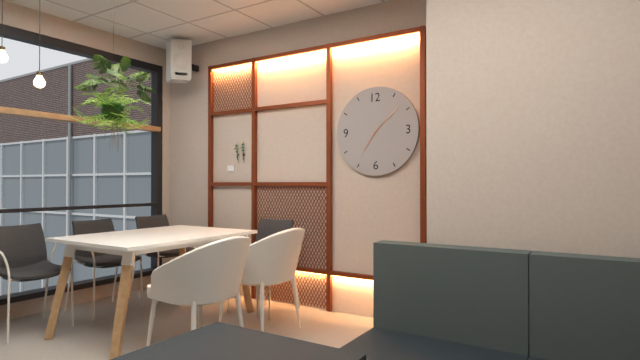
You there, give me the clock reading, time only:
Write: 7:08
